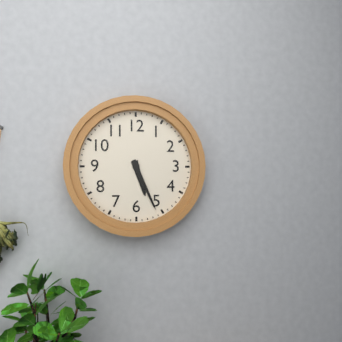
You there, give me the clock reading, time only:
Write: 5:26
